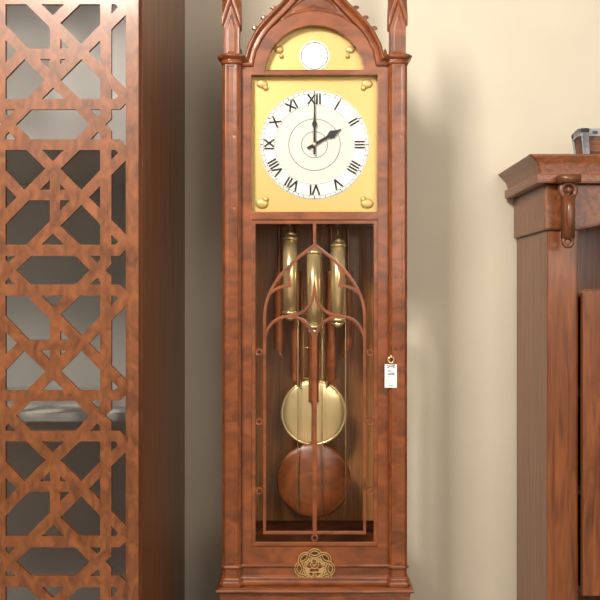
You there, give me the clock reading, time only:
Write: 2:00
